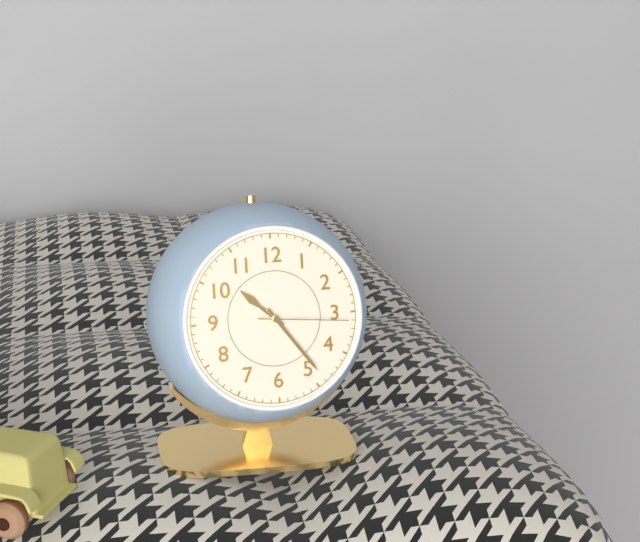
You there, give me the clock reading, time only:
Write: 10:24:16
